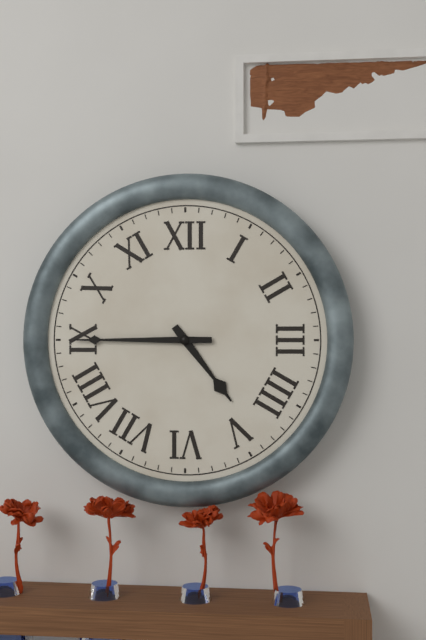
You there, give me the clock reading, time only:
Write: 4:45
